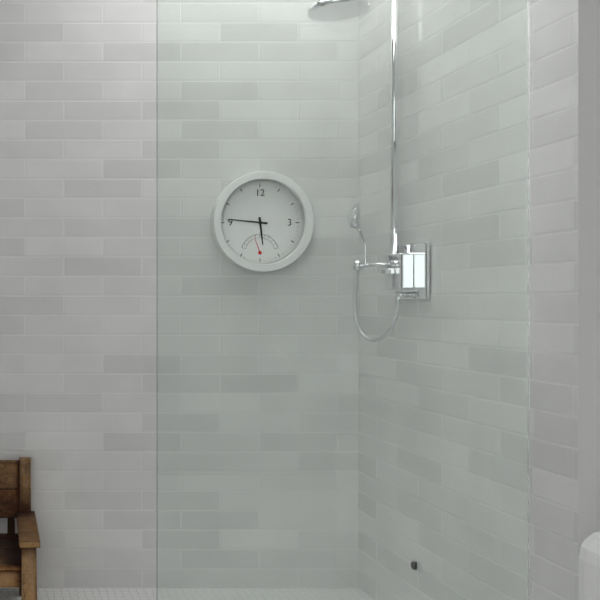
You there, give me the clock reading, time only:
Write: 5:46
